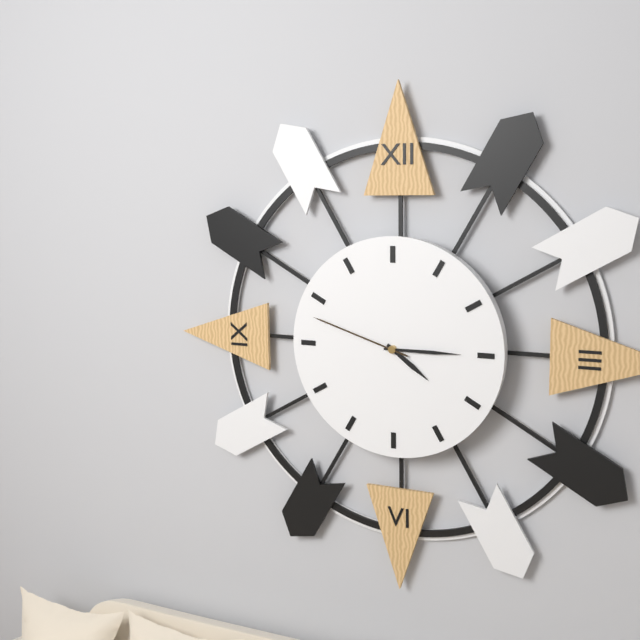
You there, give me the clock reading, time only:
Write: 4:15:48
